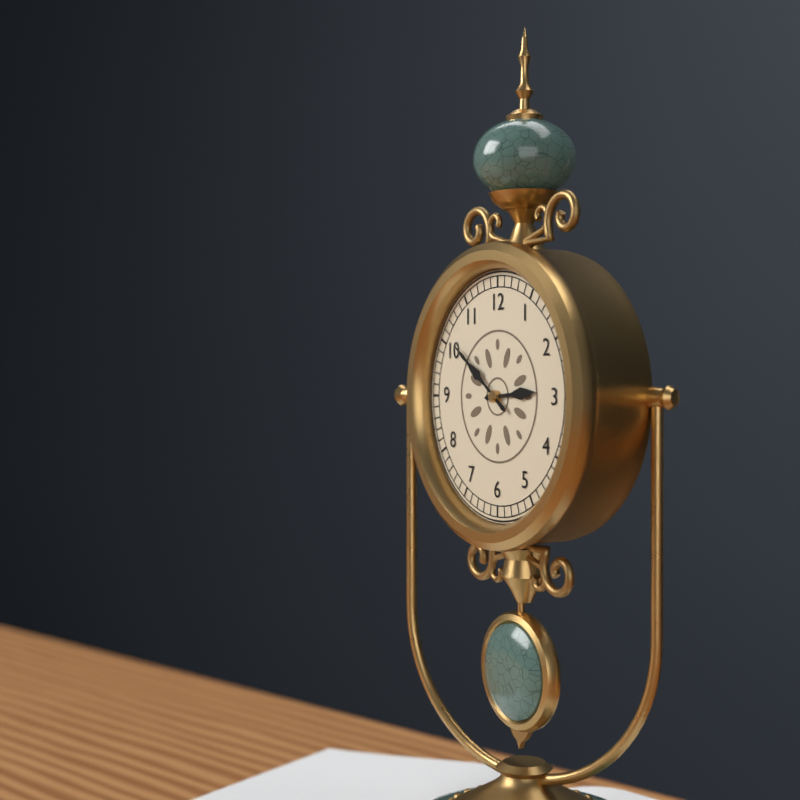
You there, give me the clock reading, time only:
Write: 2:51
